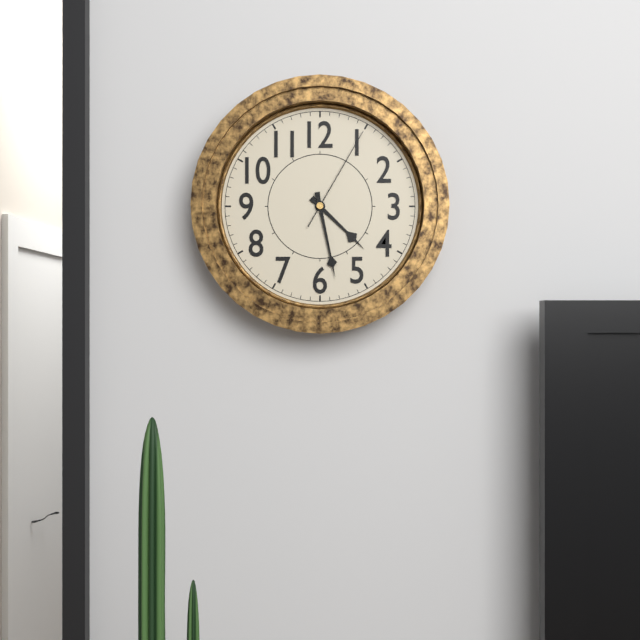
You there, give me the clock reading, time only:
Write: 4:28:05
